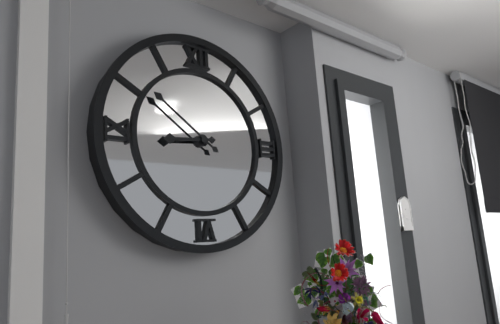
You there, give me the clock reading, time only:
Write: 8:51
